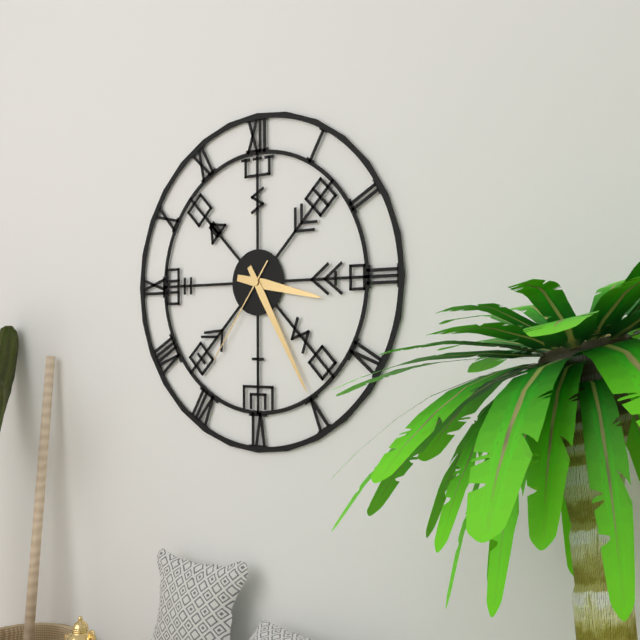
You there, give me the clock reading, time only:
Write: 3:25:36
